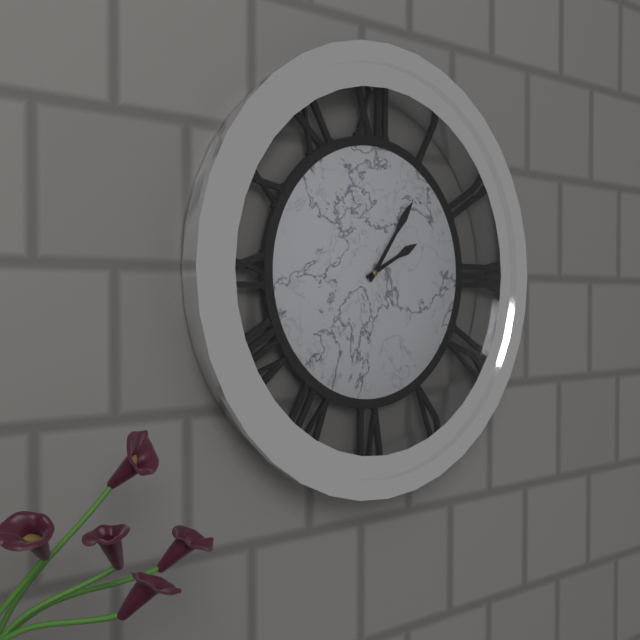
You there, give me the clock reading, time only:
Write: 2:06
